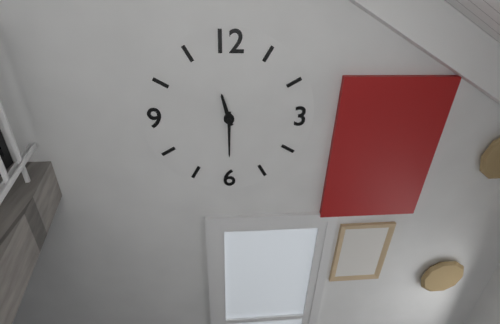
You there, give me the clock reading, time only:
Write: 11:30
